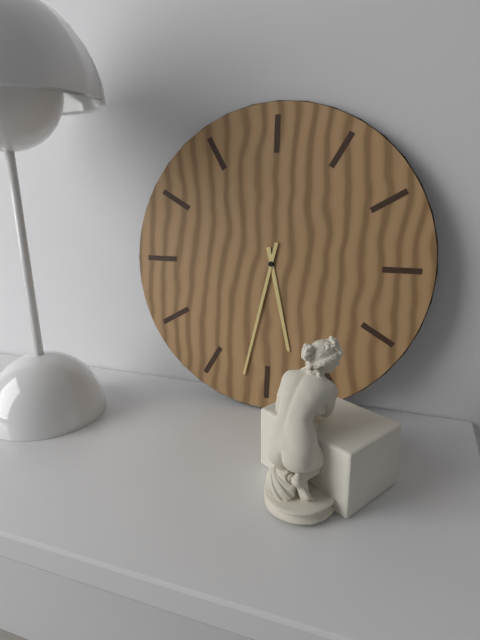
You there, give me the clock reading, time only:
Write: 5:32
